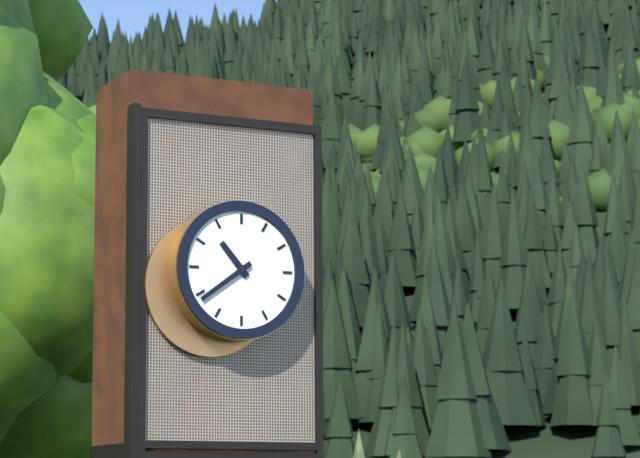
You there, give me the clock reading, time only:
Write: 10:39
